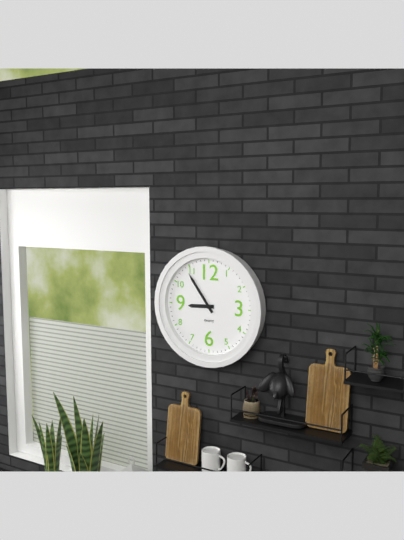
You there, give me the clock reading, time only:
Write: 8:54
